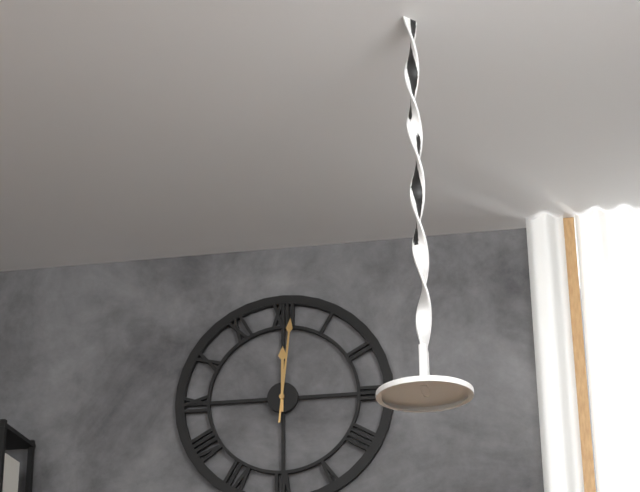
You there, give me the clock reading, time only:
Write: 12:01
